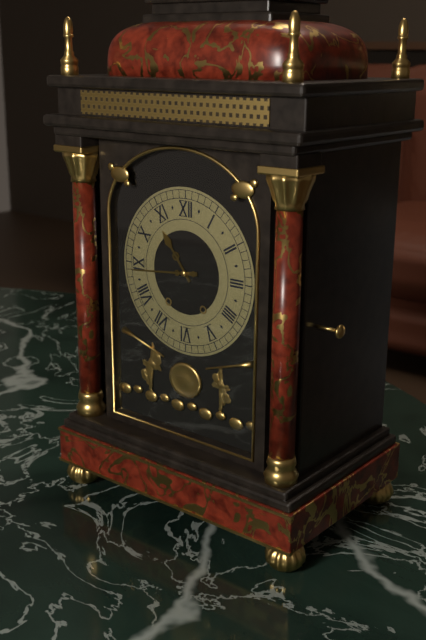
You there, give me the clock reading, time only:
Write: 10:44
